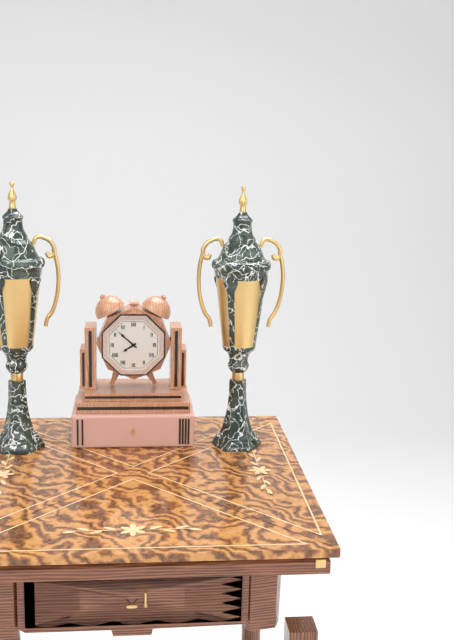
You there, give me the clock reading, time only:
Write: 7:52
